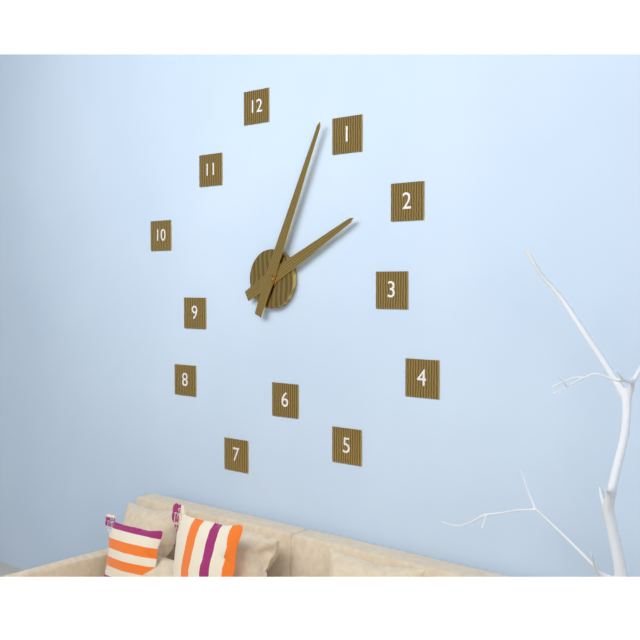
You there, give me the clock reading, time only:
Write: 2:04
